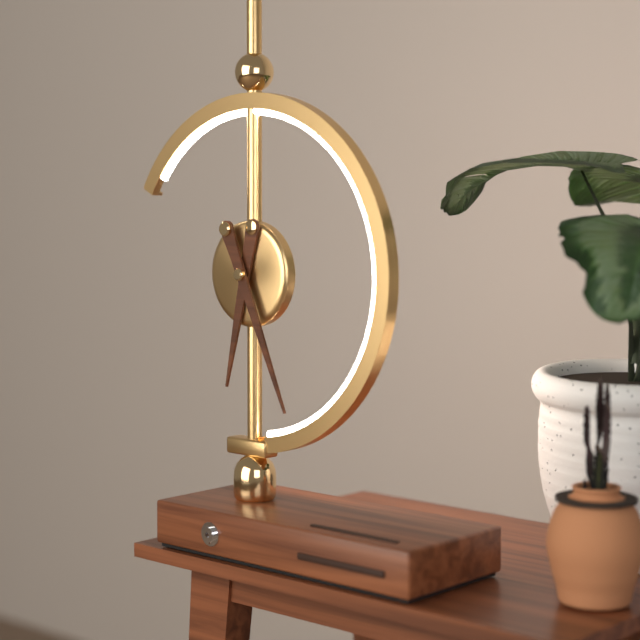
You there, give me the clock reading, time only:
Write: 6:26
